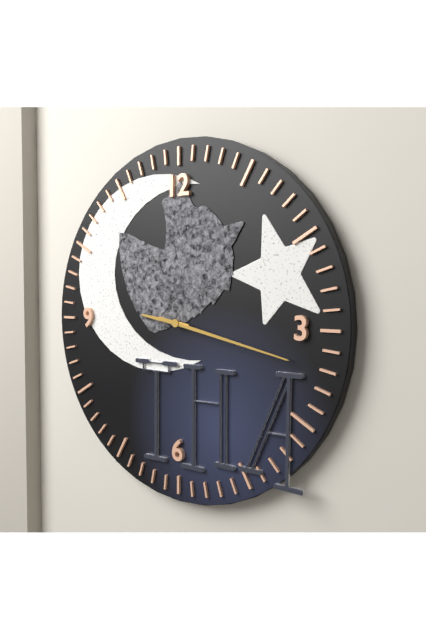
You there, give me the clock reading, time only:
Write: 9:17
